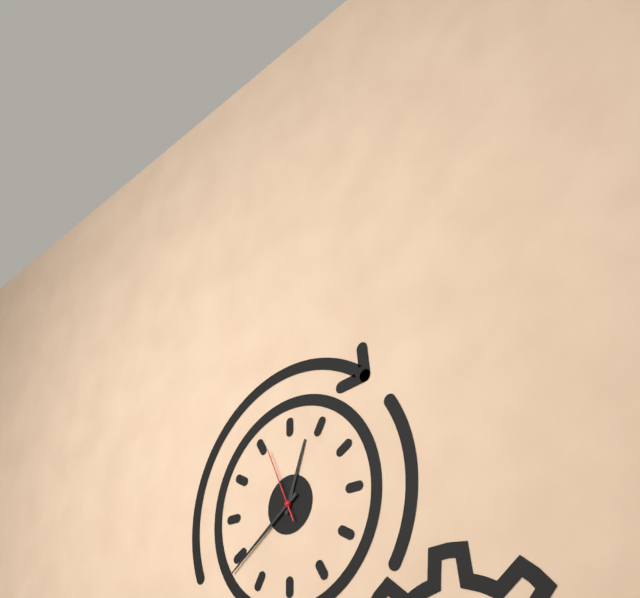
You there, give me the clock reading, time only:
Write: 12:39:56
